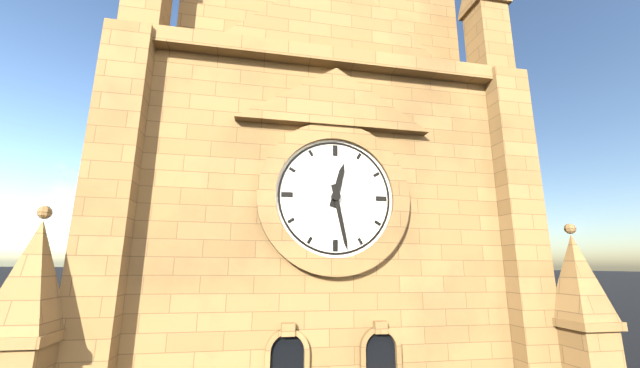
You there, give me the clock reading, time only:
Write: 12:28
